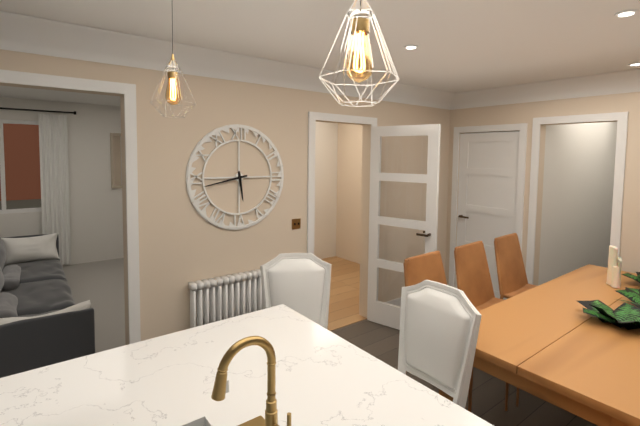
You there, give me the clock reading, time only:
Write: 5:43
